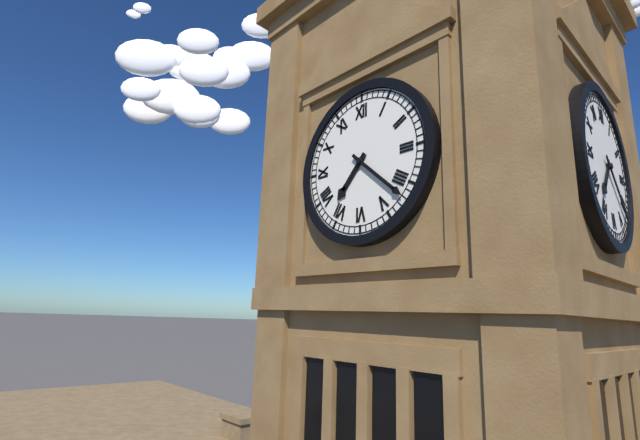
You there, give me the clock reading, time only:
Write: 7:22
